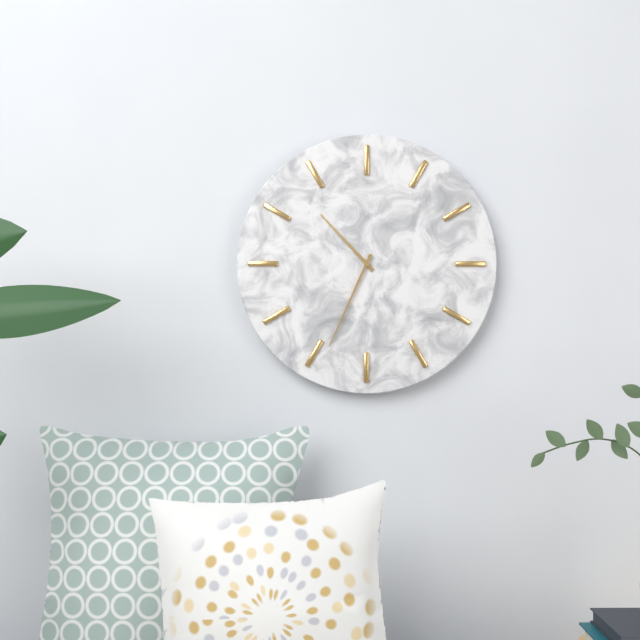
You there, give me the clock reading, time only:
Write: 10:34
